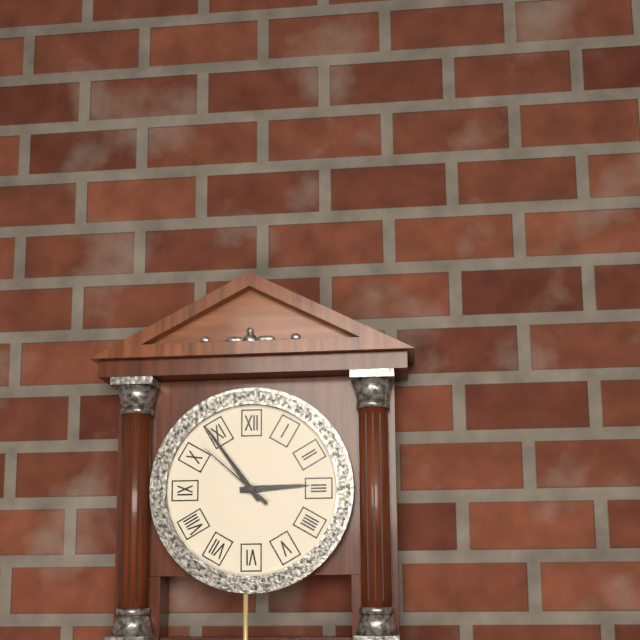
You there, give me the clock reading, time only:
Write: 2:54:52
